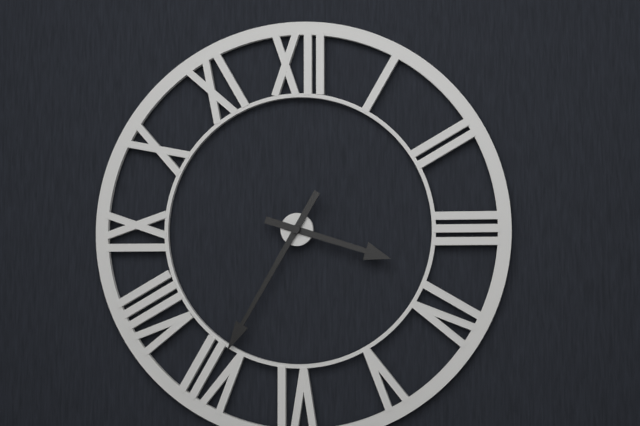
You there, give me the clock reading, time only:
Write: 3:35
